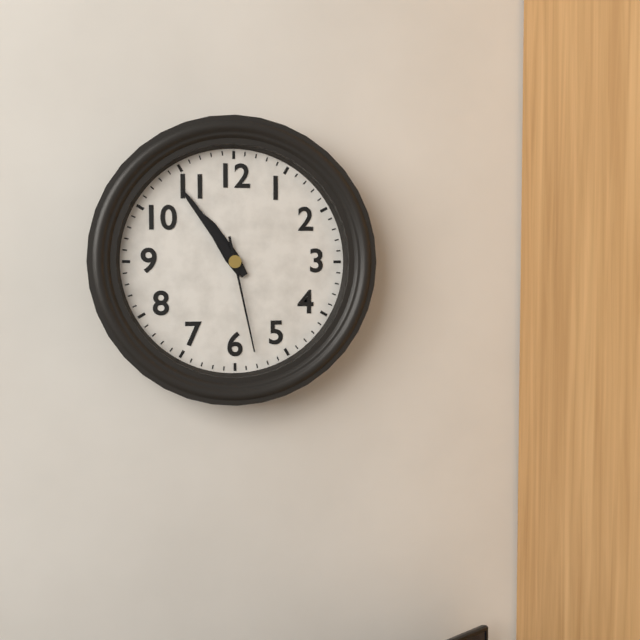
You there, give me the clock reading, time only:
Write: 10:54:28
